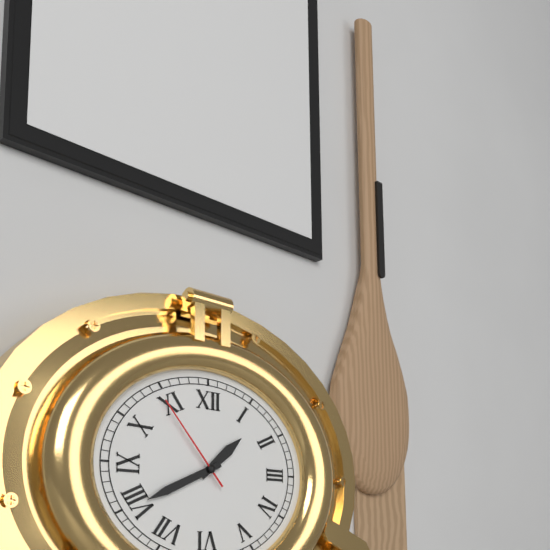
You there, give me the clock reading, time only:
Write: 1:41:53
